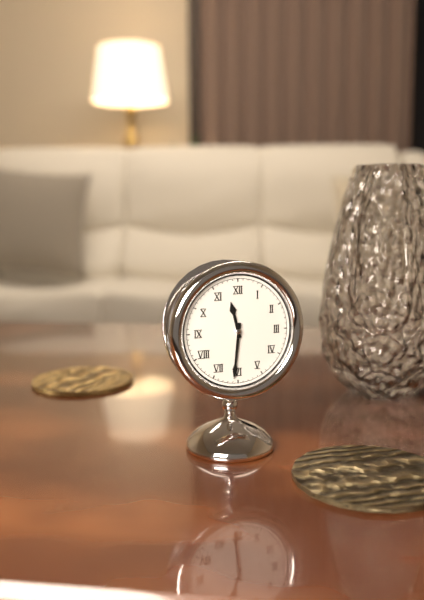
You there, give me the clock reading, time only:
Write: 11:31
